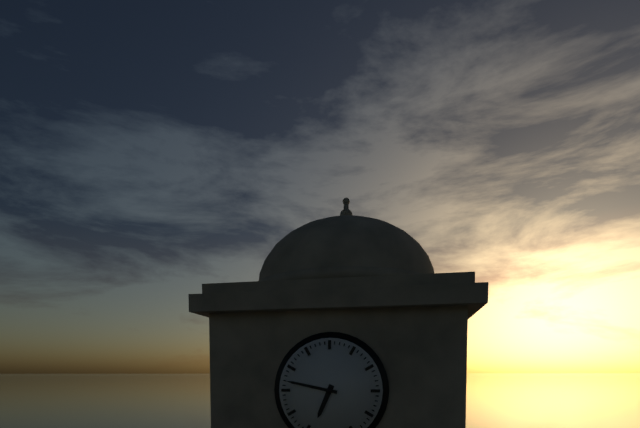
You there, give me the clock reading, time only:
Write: 6:47
